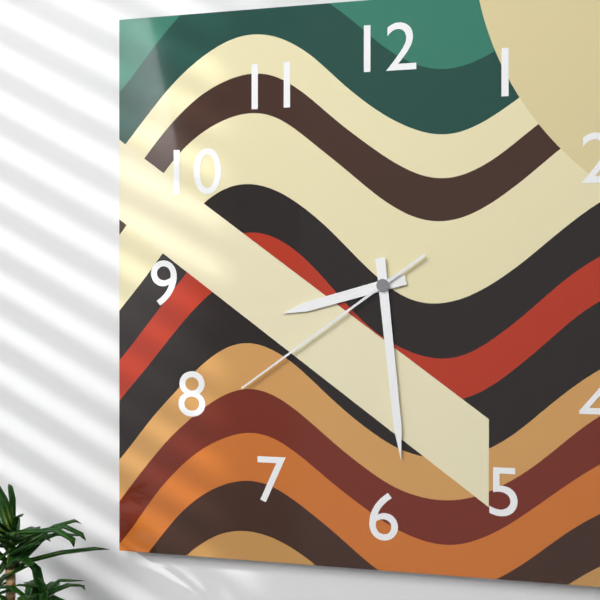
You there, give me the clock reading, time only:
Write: 8:29:39
